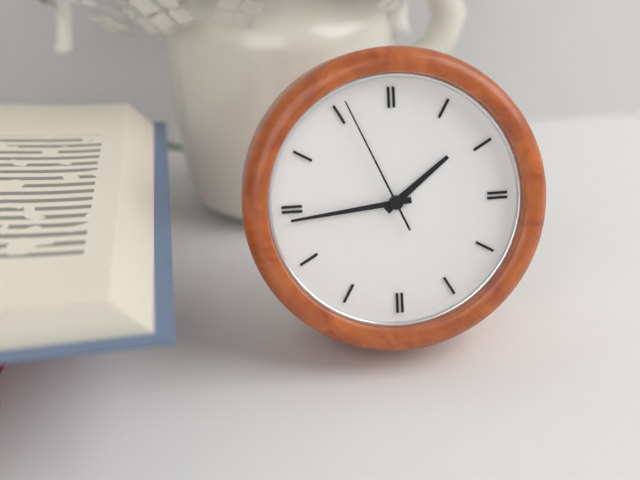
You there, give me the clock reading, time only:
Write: 1:44:56
